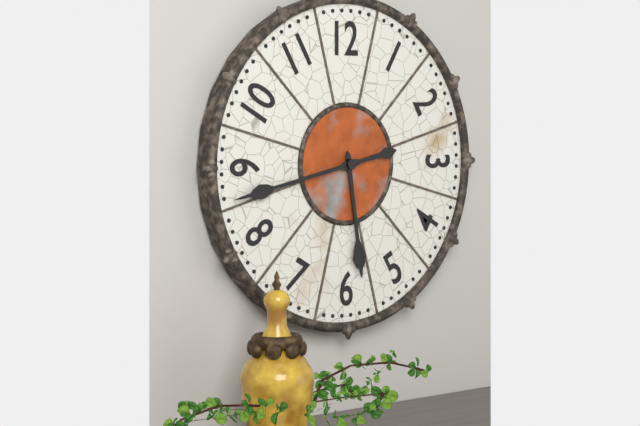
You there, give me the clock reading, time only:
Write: 5:43
